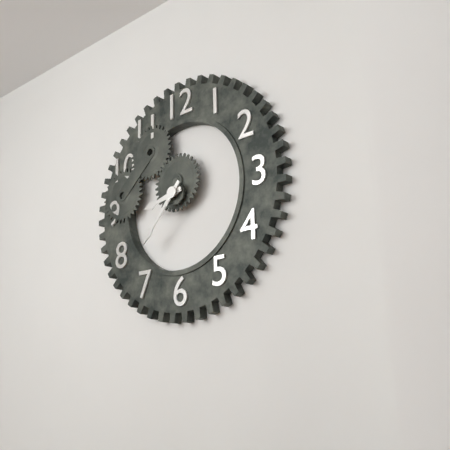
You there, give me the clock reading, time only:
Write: 8:37
